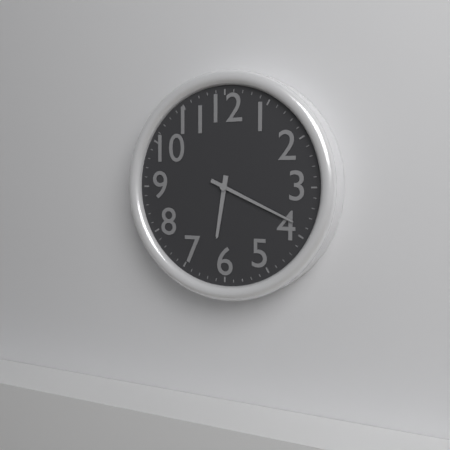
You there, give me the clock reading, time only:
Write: 6:19
